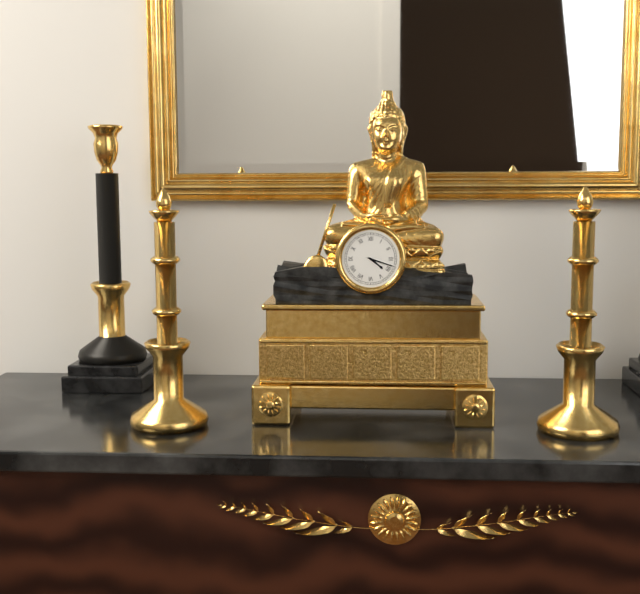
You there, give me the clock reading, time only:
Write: 4:18
